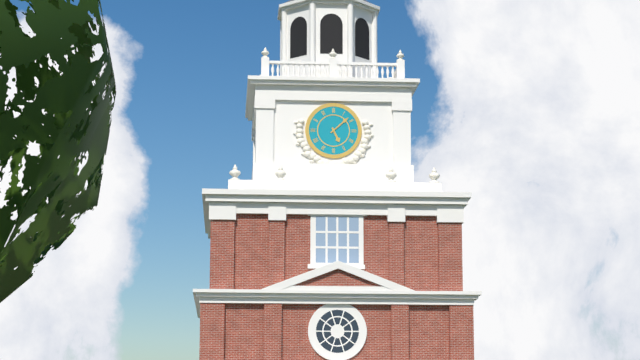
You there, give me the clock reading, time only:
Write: 5:08
